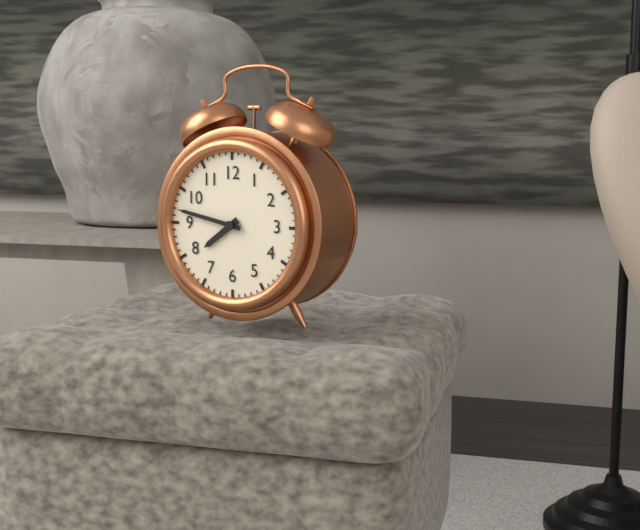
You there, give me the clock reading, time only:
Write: 7:47
